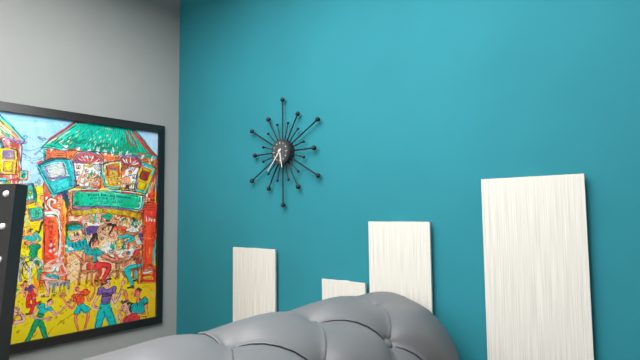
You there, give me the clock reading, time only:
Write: 5:37
